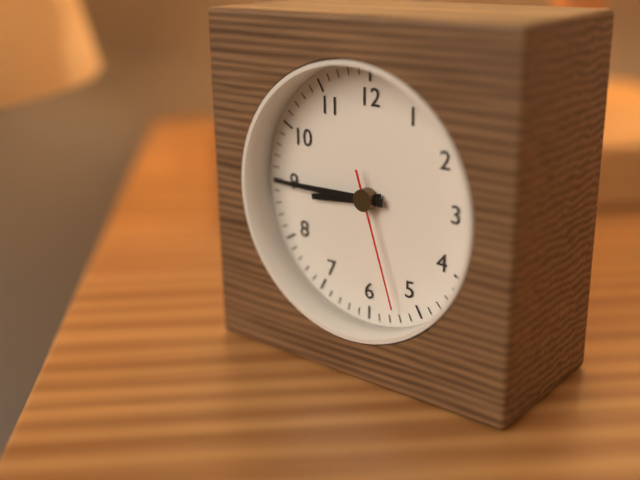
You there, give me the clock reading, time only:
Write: 8:45:27
